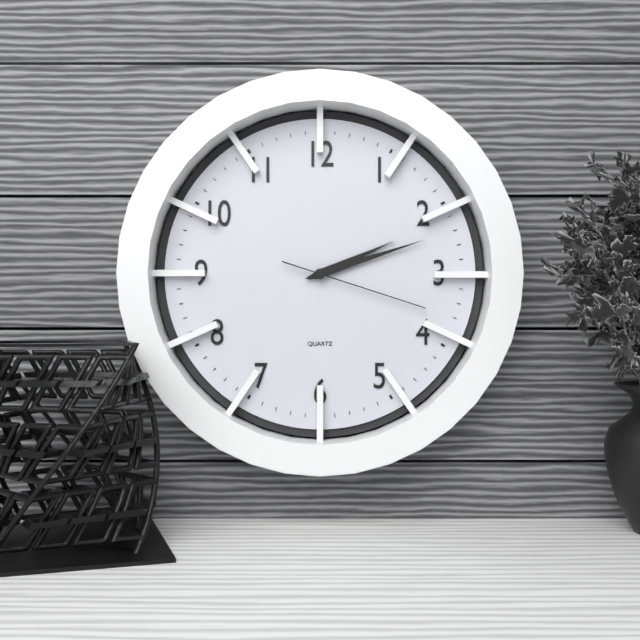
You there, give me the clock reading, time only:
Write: 2:12:18
